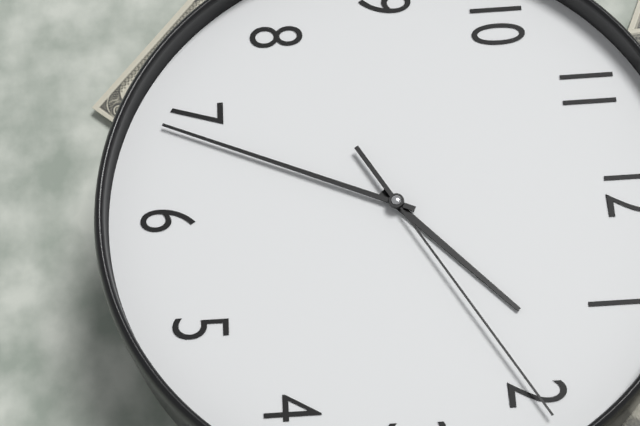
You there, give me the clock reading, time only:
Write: 1:34:10
